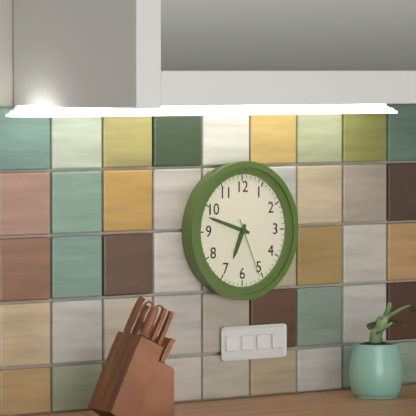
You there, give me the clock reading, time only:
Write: 6:48:26
